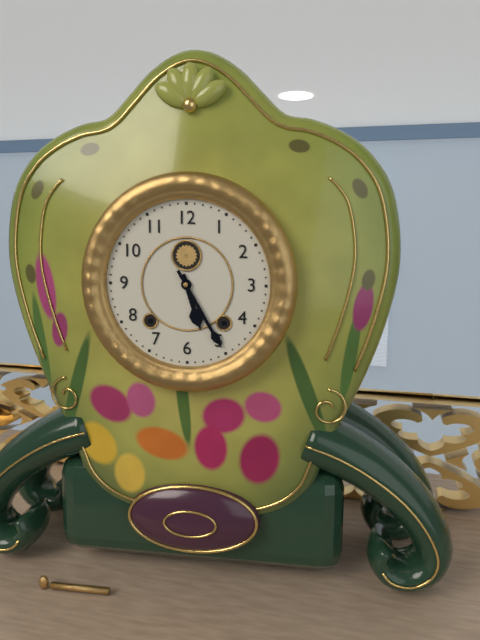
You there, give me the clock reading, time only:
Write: 5:25
